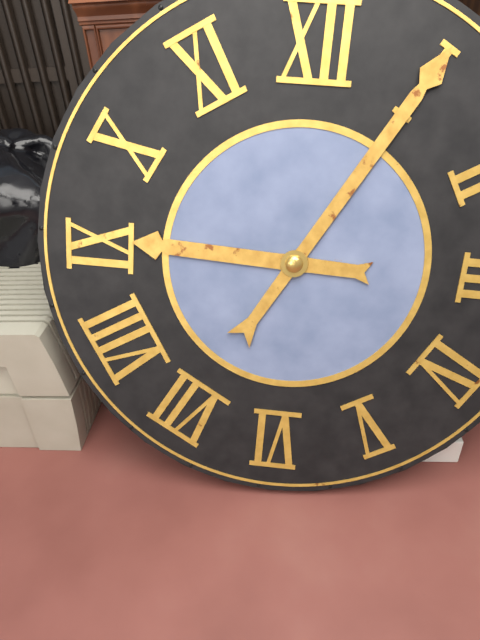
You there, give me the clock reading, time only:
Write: 9:05
